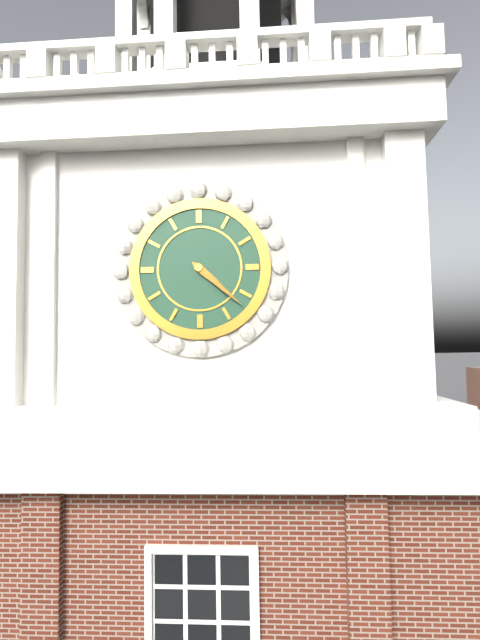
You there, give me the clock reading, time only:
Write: 4:22
